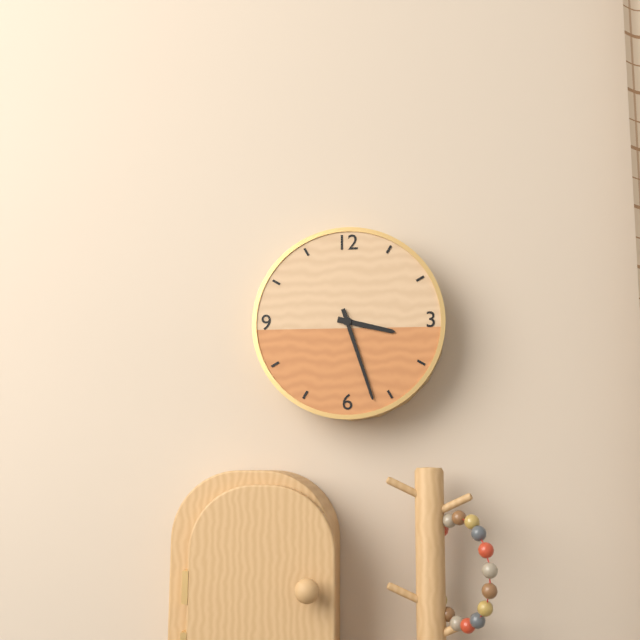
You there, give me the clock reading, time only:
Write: 3:27
